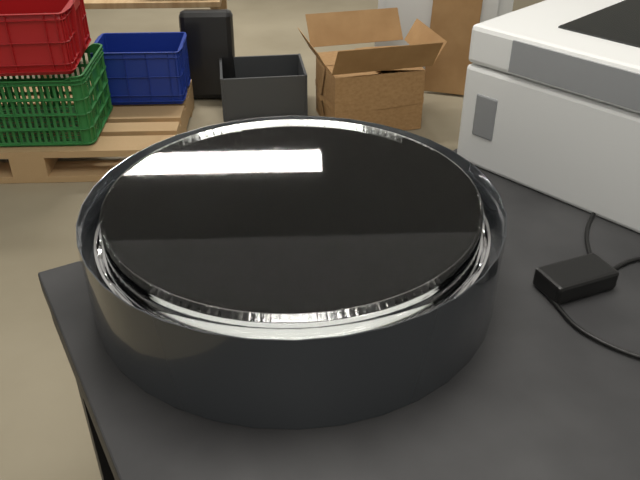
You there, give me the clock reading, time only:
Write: 6:07
